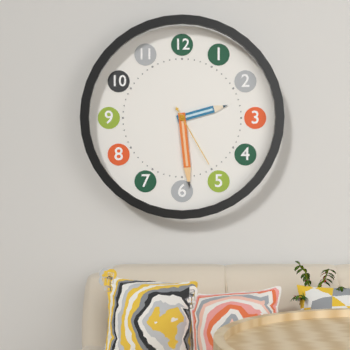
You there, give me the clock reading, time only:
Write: 2:29:25
